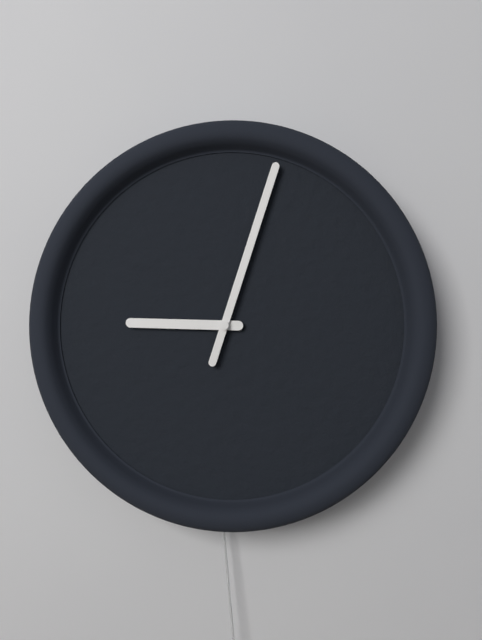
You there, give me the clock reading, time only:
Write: 9:03
